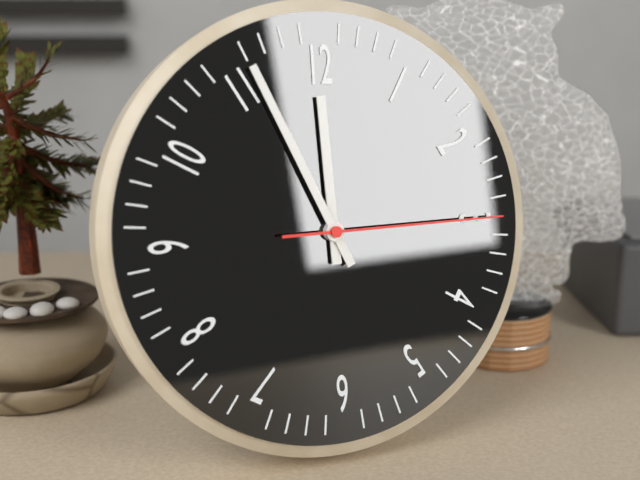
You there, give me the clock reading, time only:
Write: 11:56:15
